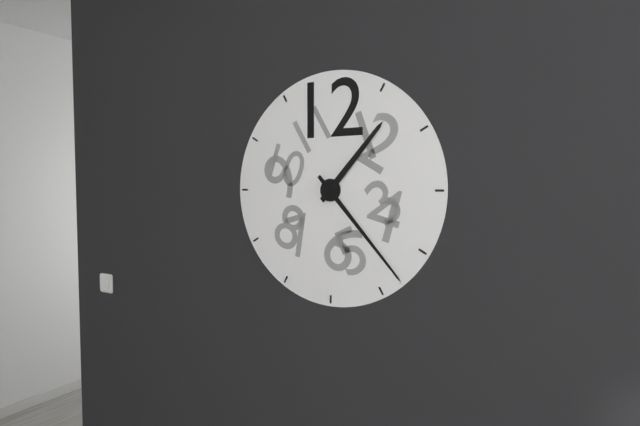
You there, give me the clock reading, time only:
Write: 1:23
